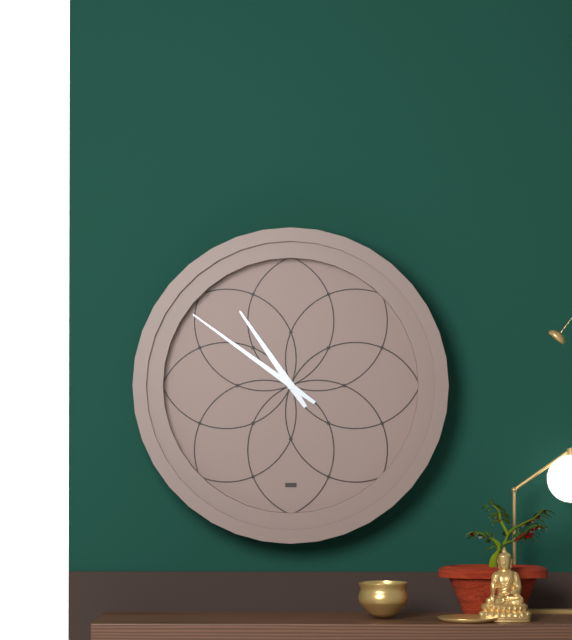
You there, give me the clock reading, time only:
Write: 10:51
